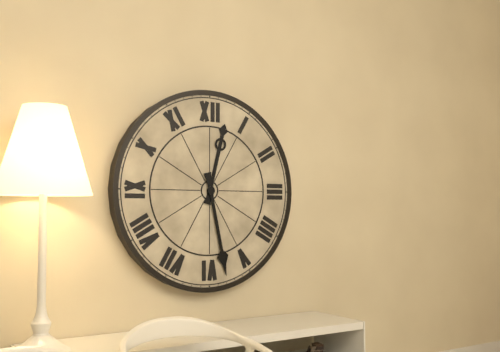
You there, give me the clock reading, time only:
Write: 12:28
